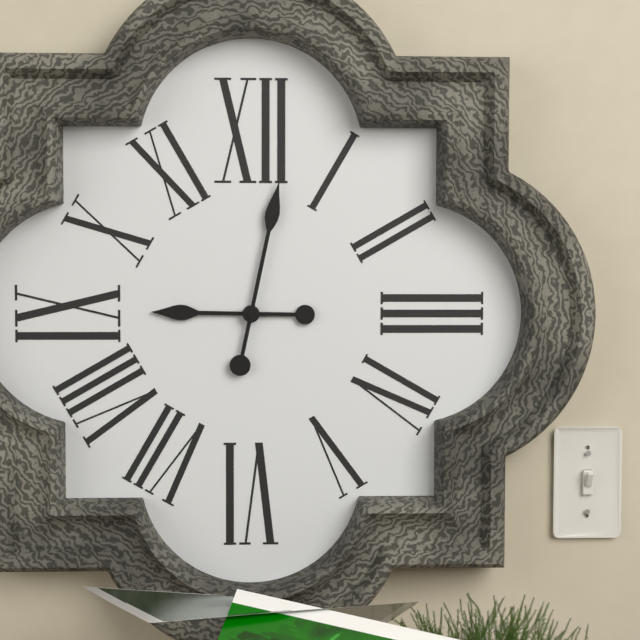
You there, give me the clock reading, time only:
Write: 9:02
